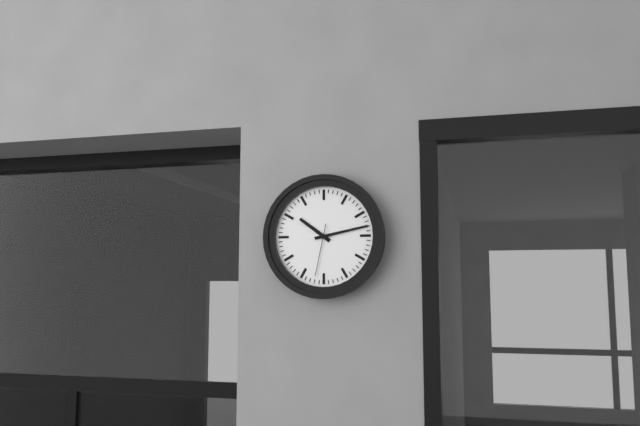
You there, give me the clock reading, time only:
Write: 10:13:32
